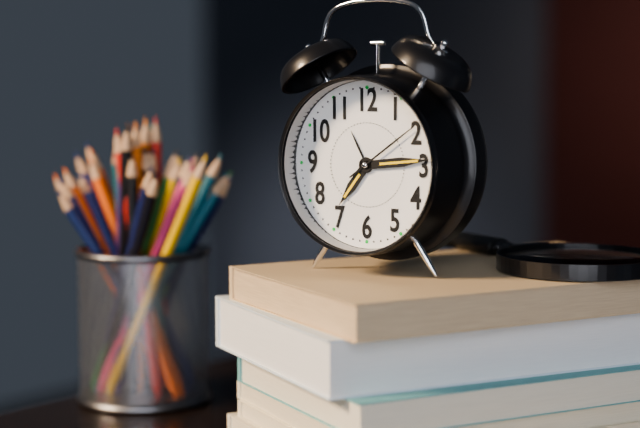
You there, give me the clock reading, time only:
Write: 7:14:09
